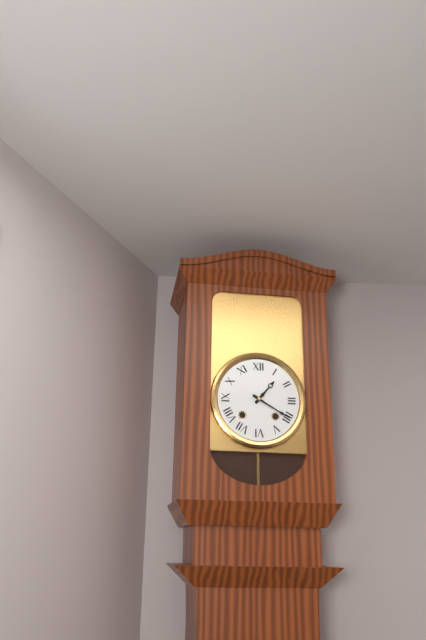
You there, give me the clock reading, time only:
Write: 1:20
